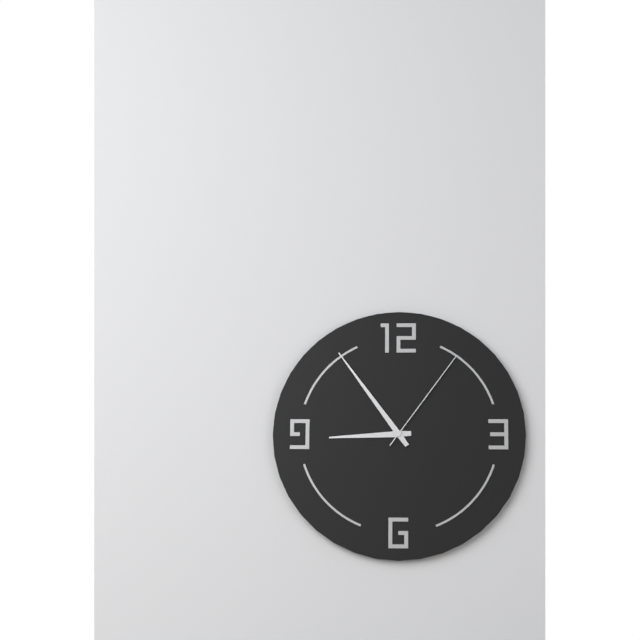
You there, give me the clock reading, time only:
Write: 8:54:06
